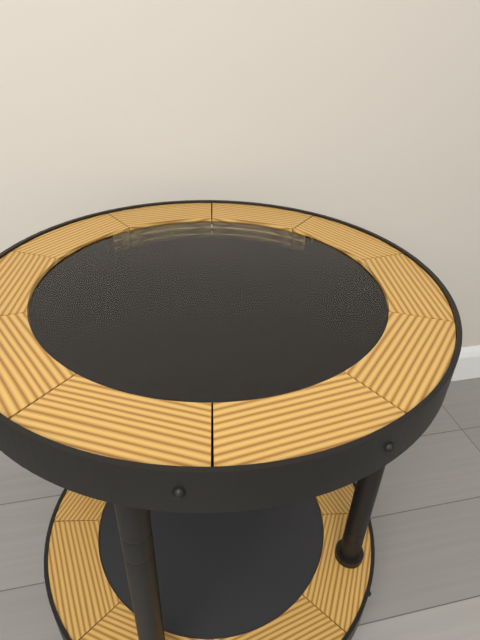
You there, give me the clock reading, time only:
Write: 6:31
